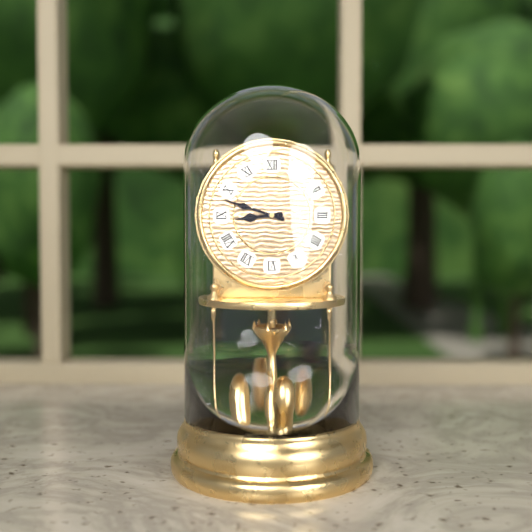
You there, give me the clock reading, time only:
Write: 8:48
